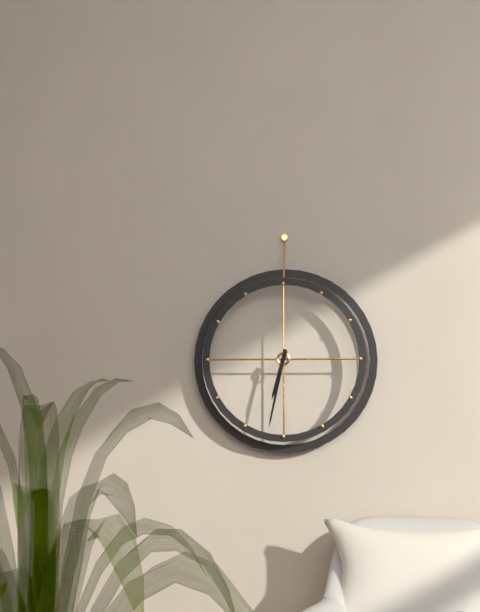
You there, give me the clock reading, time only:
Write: 6:32
